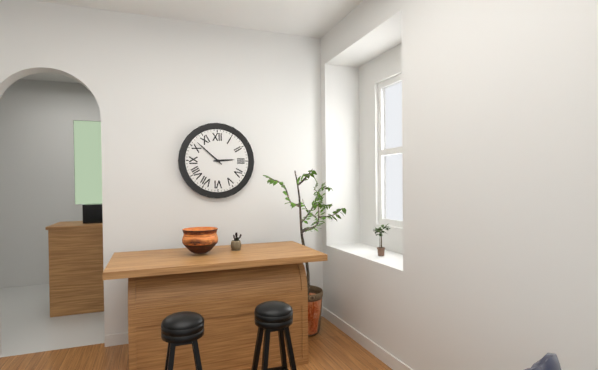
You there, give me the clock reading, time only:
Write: 2:52
